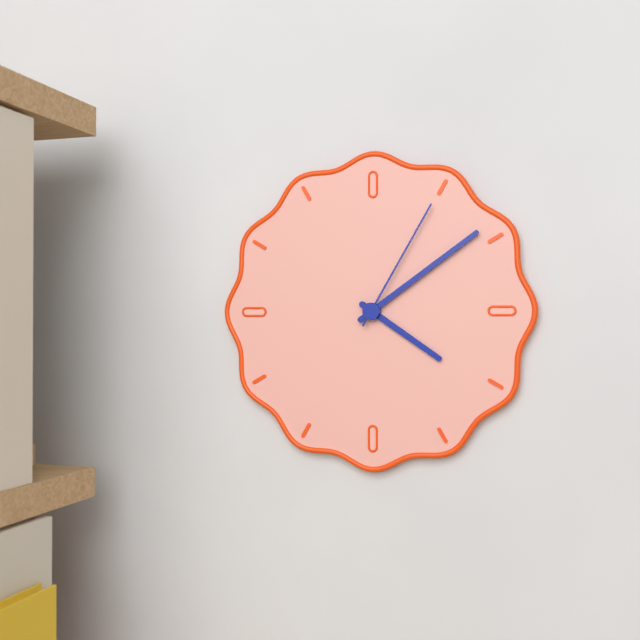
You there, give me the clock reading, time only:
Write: 4:09:05
